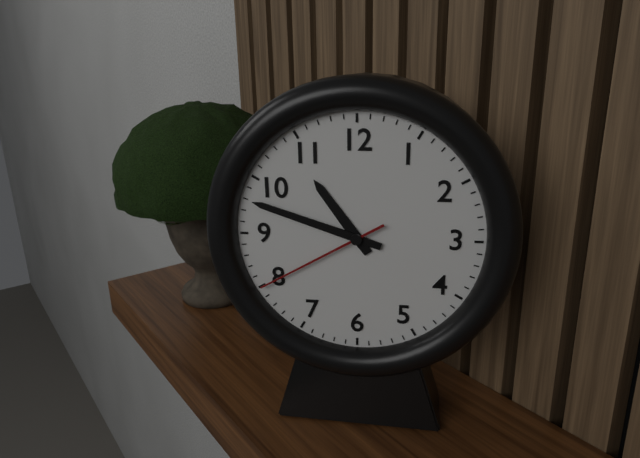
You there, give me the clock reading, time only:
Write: 10:48:40
